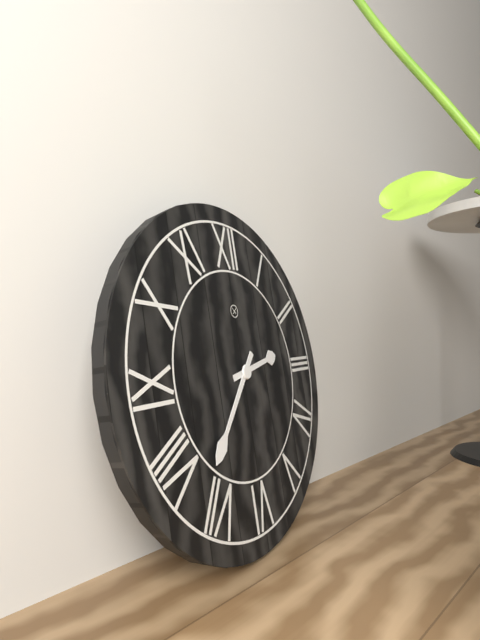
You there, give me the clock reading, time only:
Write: 2:37
